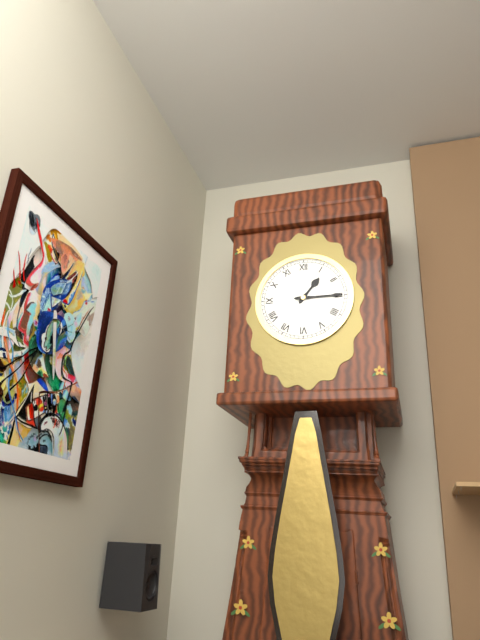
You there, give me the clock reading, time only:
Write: 1:15
